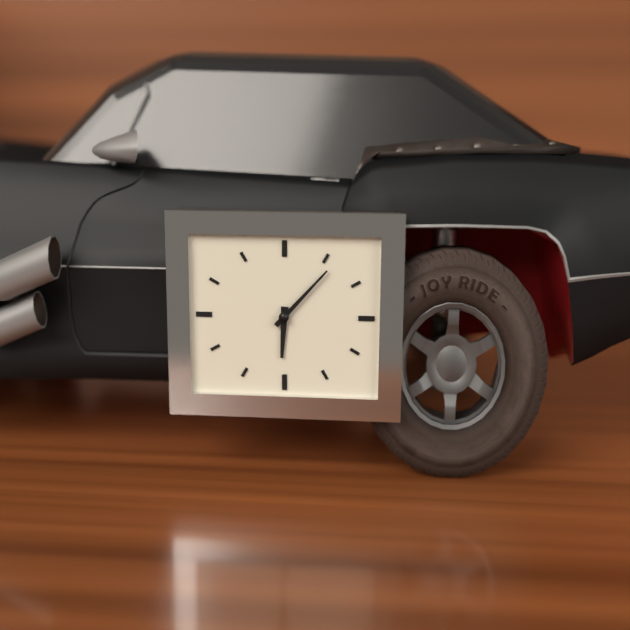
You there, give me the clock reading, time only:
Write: 6:07
